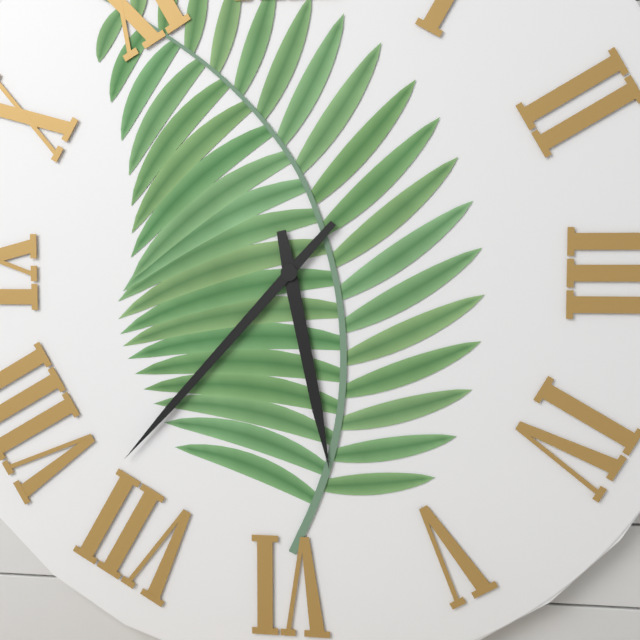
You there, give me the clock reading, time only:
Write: 5:37
